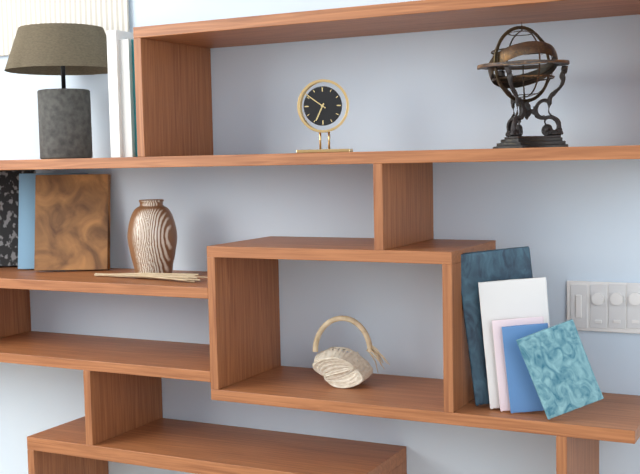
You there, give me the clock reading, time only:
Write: 6:51
